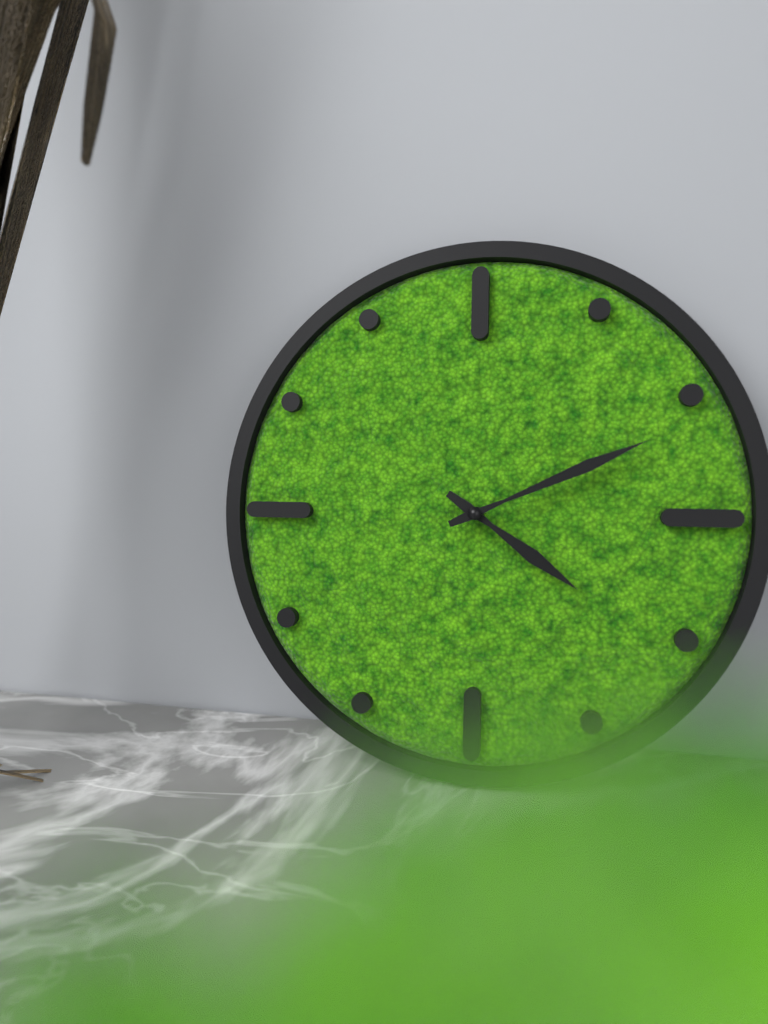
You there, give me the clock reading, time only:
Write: 4:11
